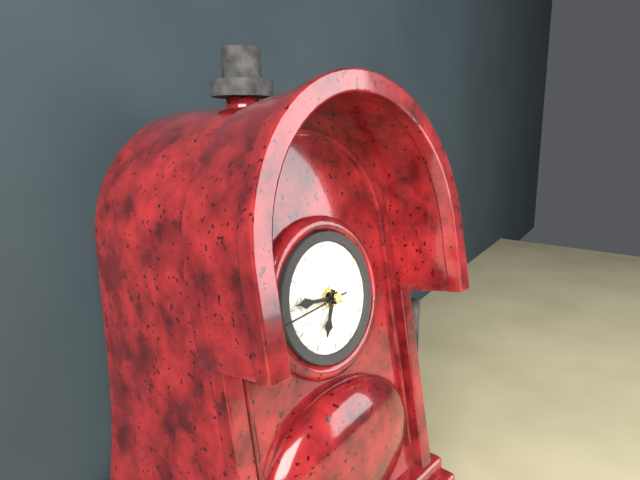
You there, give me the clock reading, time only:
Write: 6:46:44
